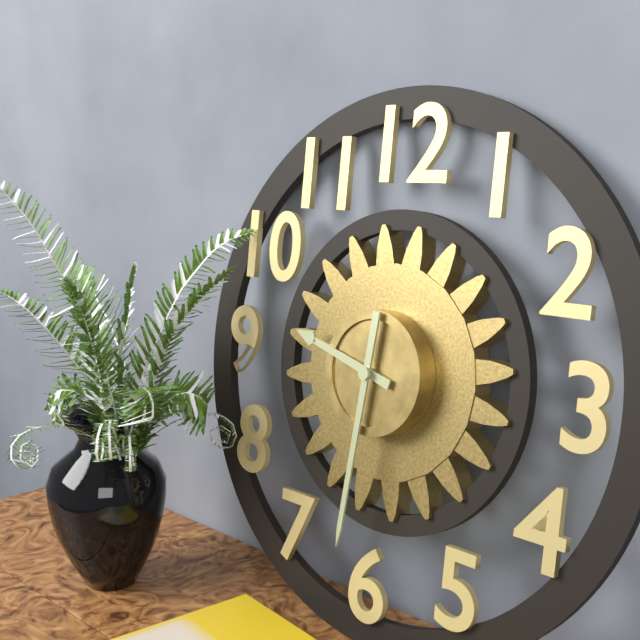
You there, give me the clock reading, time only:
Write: 9:31
